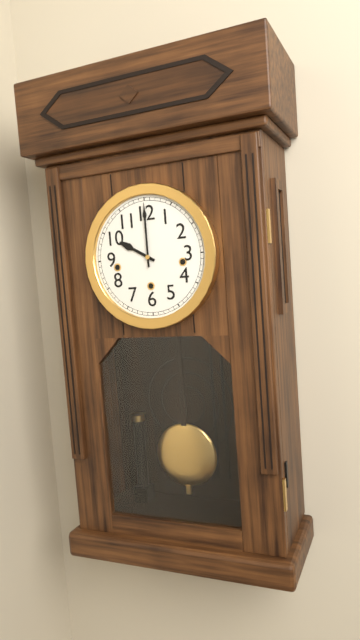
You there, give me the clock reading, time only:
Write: 10:00
